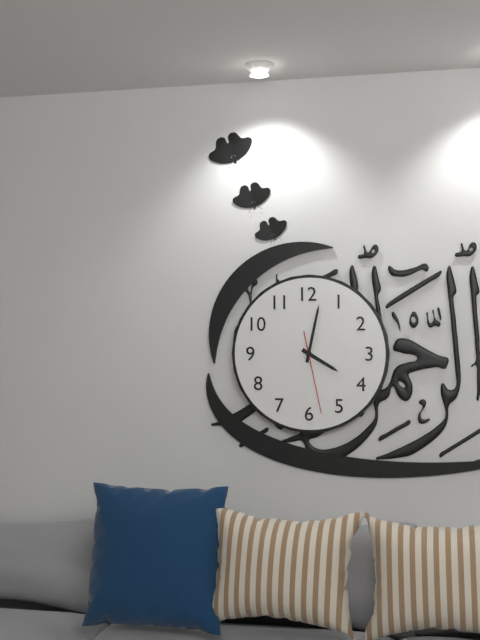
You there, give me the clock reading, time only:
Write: 4:02:28
